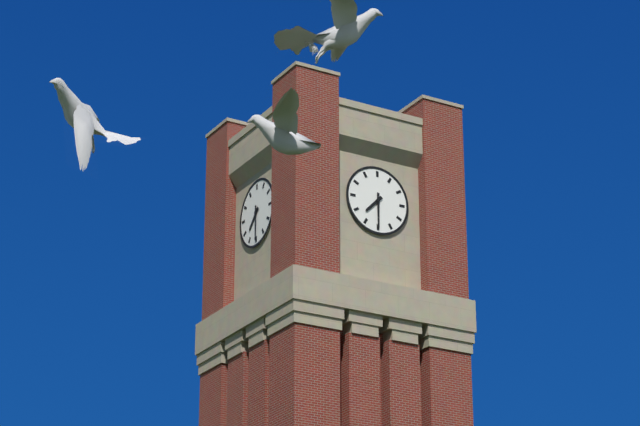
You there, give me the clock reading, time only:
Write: 7:30
